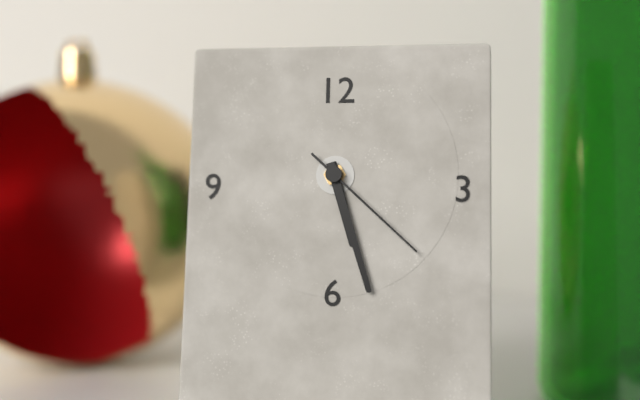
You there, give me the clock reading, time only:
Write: 5:27:22
